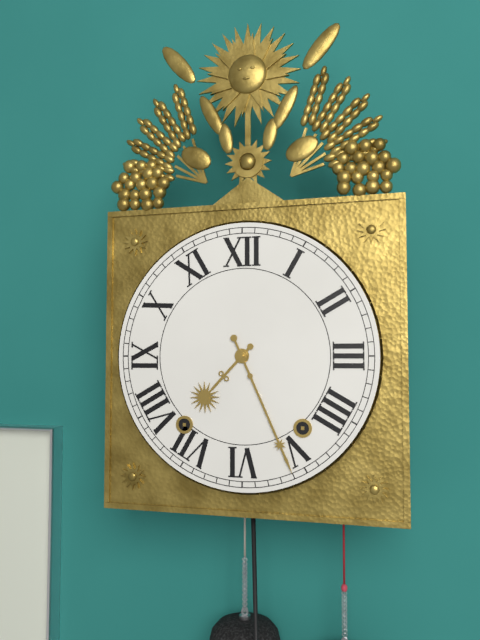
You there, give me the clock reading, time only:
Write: 7:26
